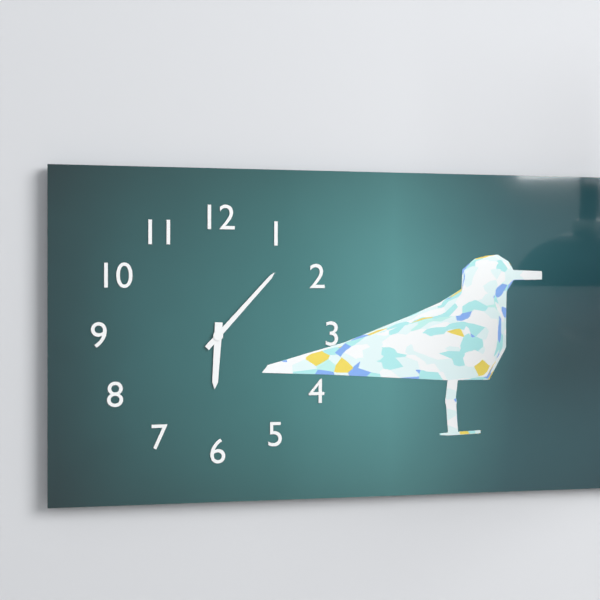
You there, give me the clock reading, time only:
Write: 6:07
